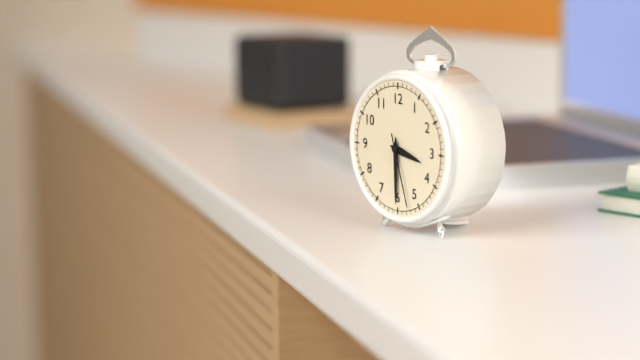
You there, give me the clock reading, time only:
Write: 3:30:27
